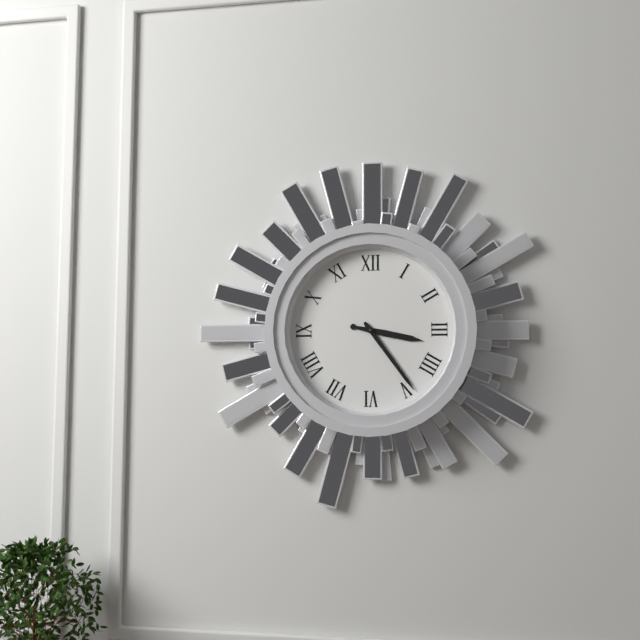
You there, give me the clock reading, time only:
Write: 3:24
